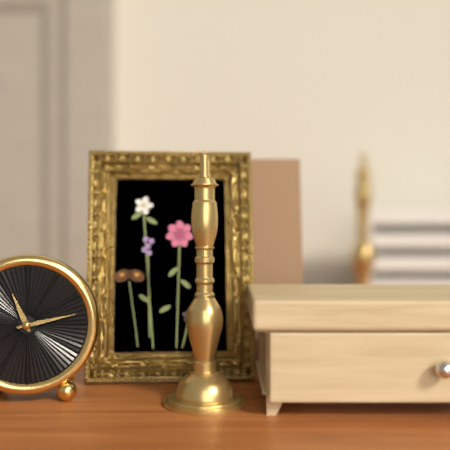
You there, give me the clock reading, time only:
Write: 11:13
